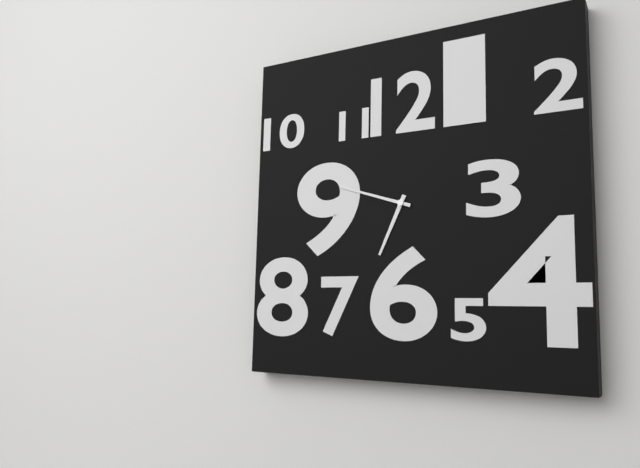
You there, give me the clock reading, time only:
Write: 6:48
